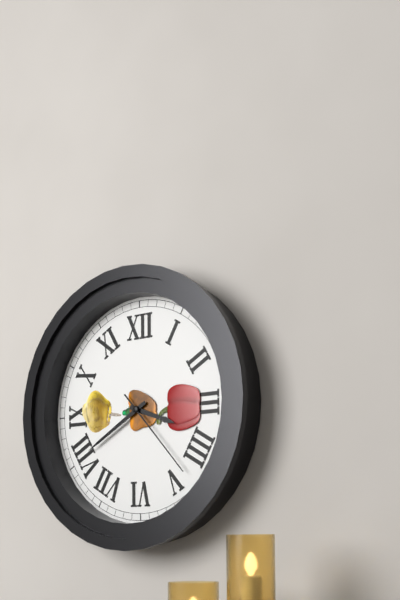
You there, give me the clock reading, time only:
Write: 3:40:23
